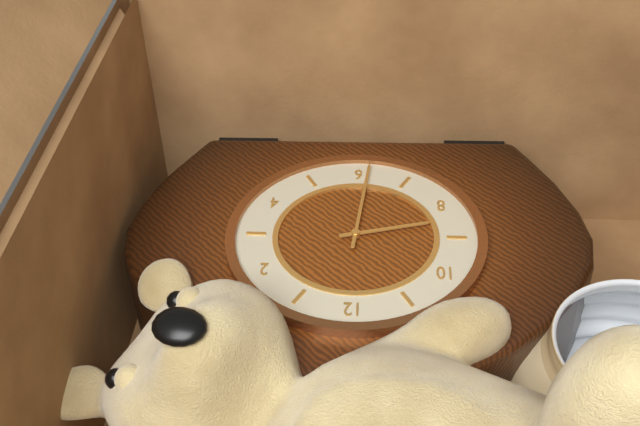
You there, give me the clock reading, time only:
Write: 8:31
